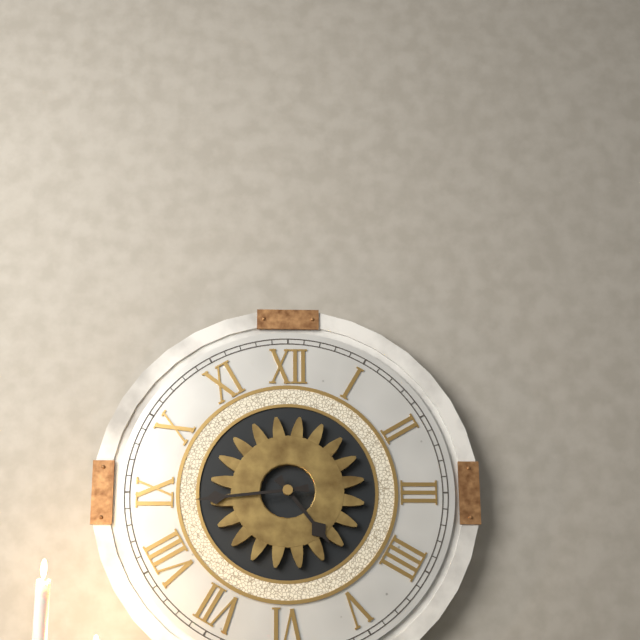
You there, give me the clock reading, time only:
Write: 4:44
